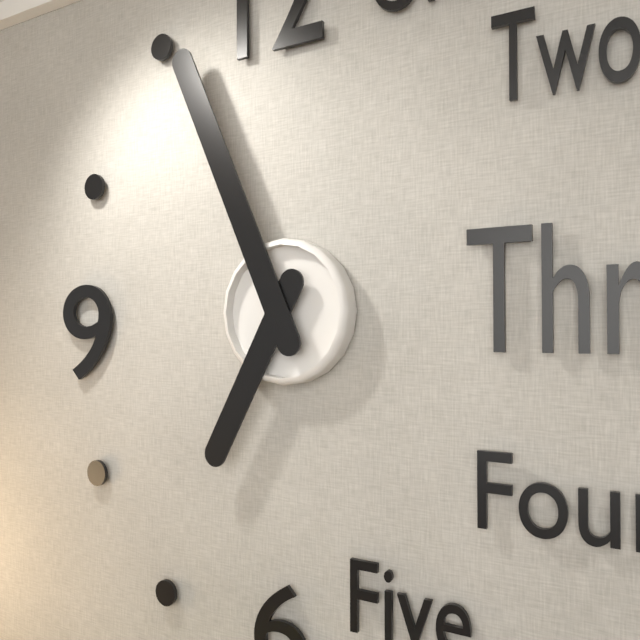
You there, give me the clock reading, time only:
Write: 6:56
